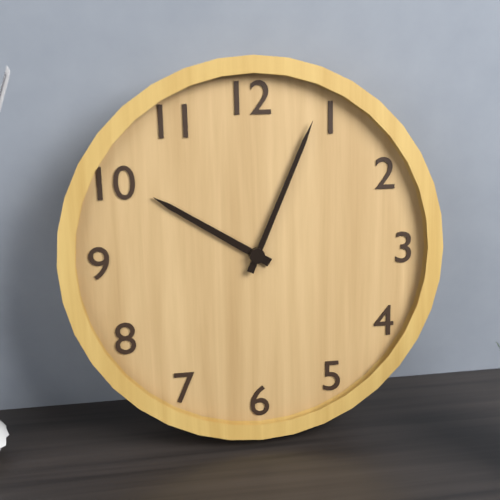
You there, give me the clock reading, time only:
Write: 10:04
